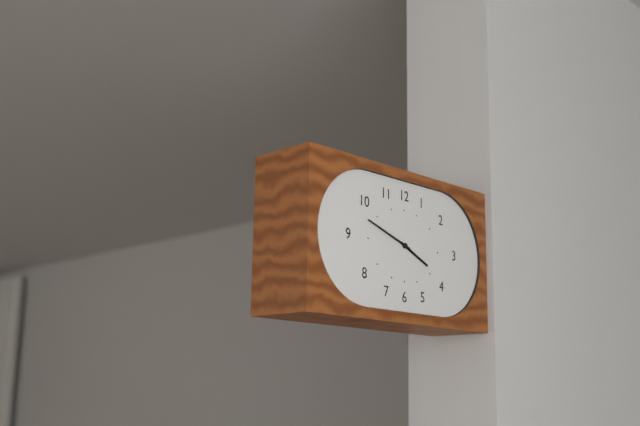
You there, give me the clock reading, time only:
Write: 3:48
